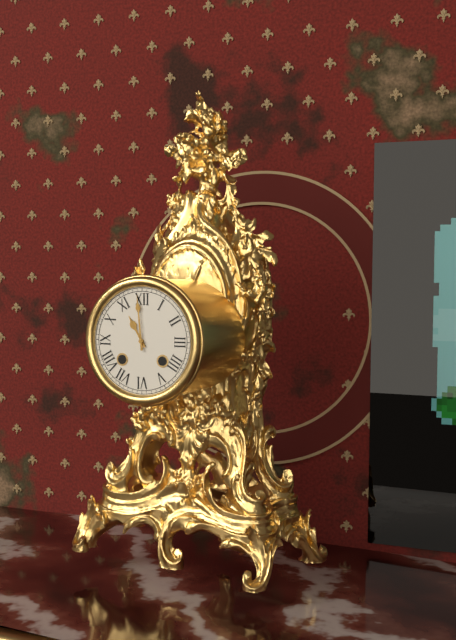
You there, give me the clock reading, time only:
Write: 10:59
